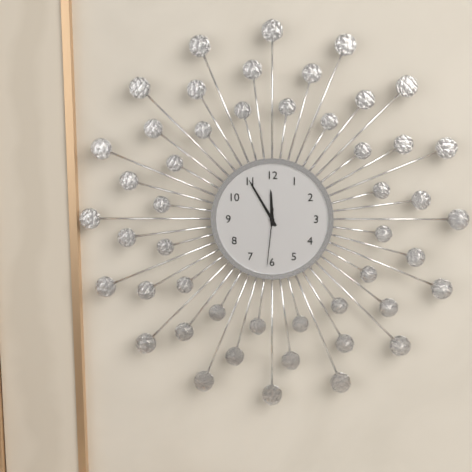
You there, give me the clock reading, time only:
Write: 11:55:31
